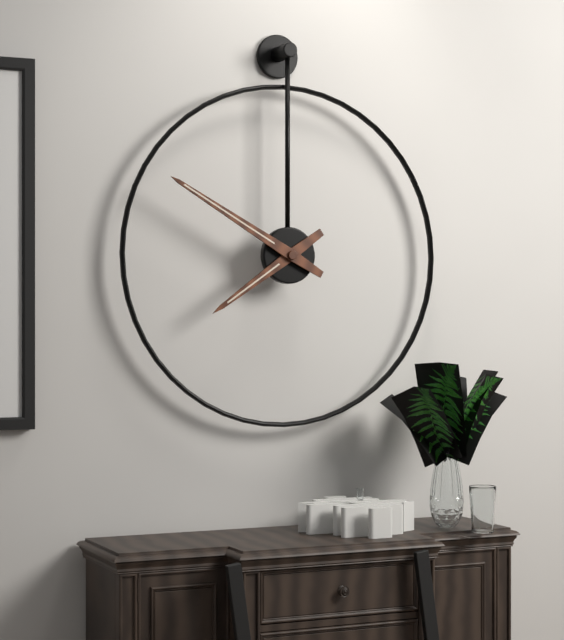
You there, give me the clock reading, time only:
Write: 7:50
